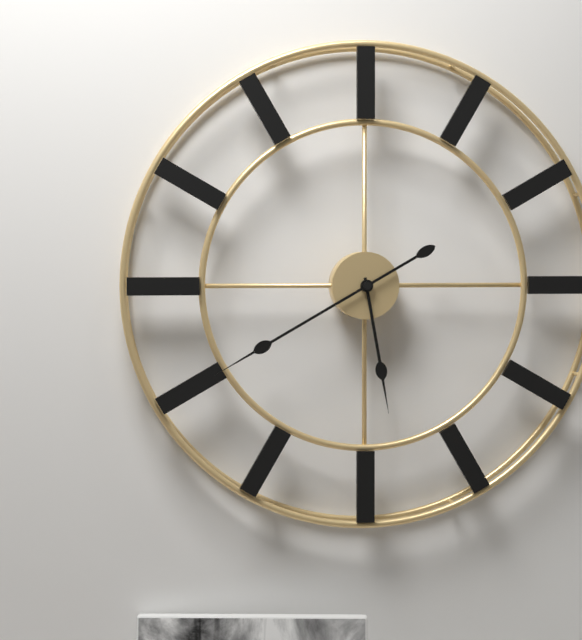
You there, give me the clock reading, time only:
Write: 5:40
